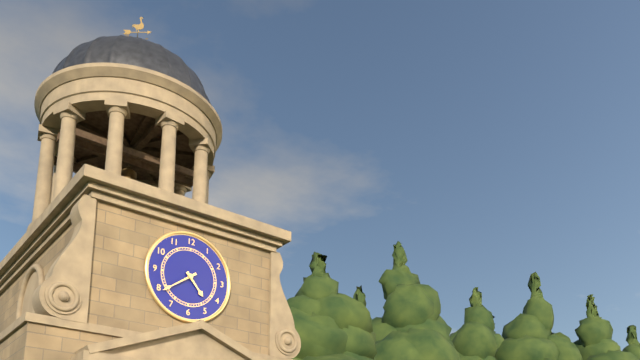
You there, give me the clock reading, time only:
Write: 4:39
